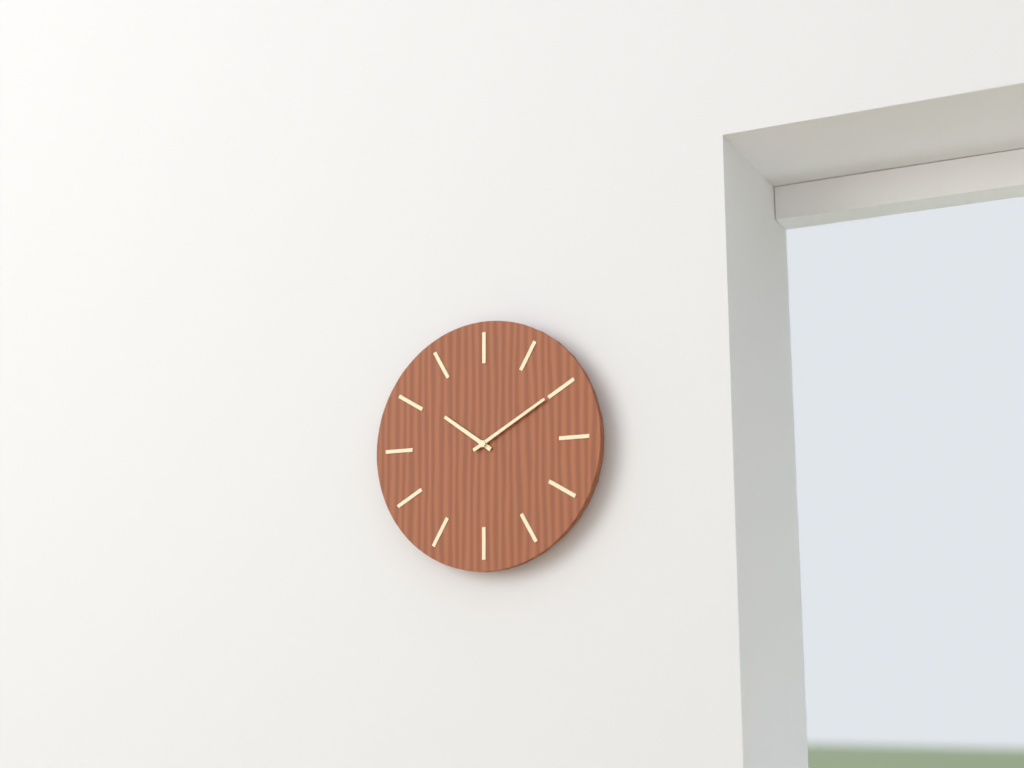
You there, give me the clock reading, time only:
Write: 10:10
